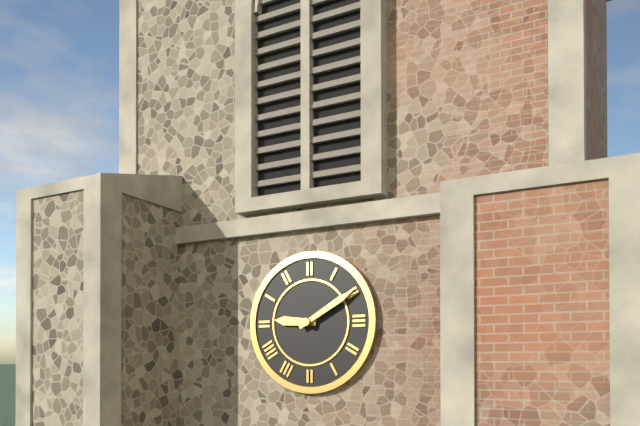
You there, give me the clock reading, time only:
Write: 9:10
